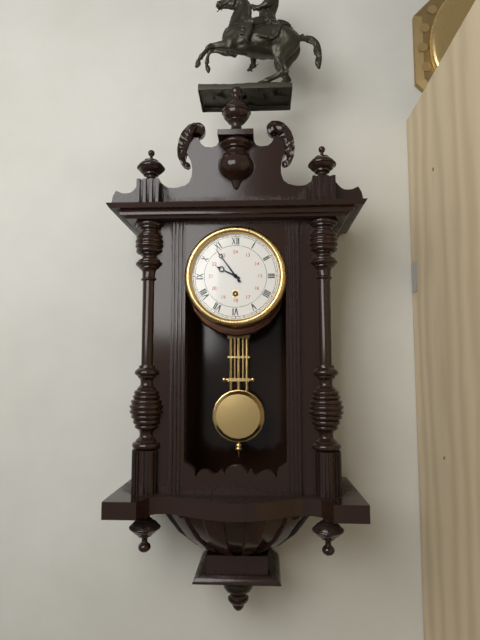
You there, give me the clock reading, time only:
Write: 9:54
